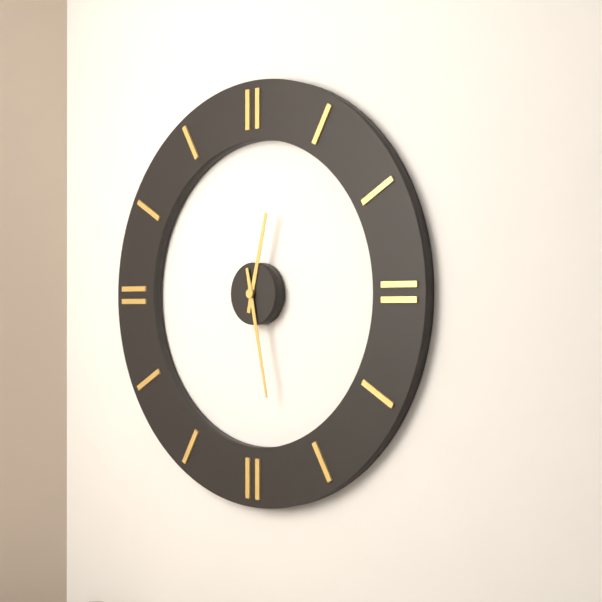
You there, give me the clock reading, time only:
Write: 12:28
